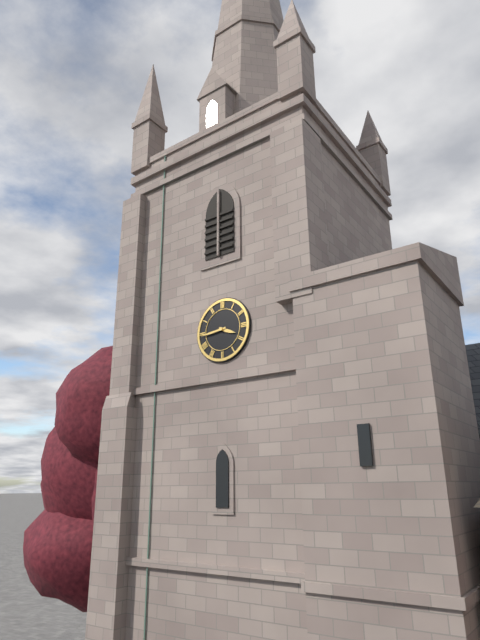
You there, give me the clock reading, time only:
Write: 3:44
